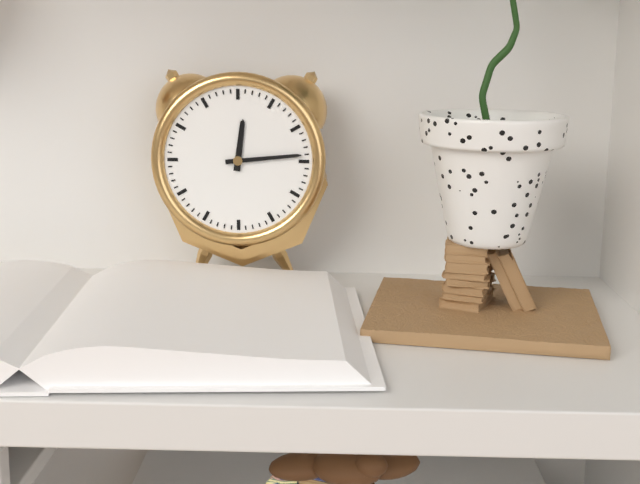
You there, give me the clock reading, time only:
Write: 12:14
